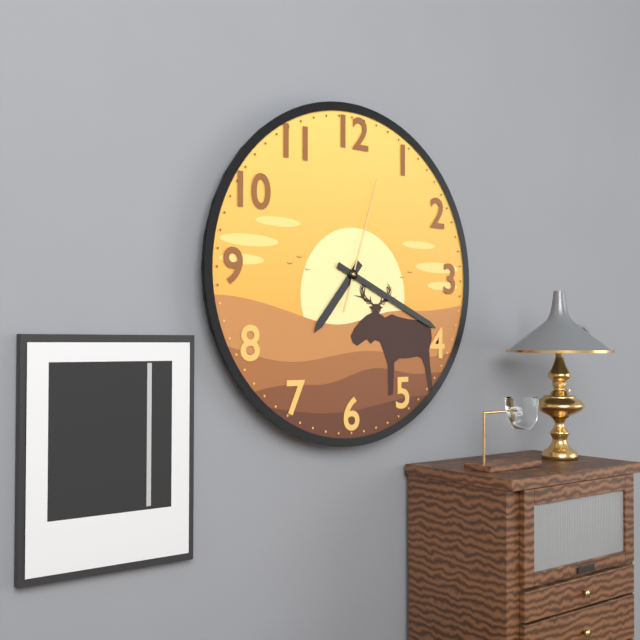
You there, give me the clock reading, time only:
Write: 7:19:03
